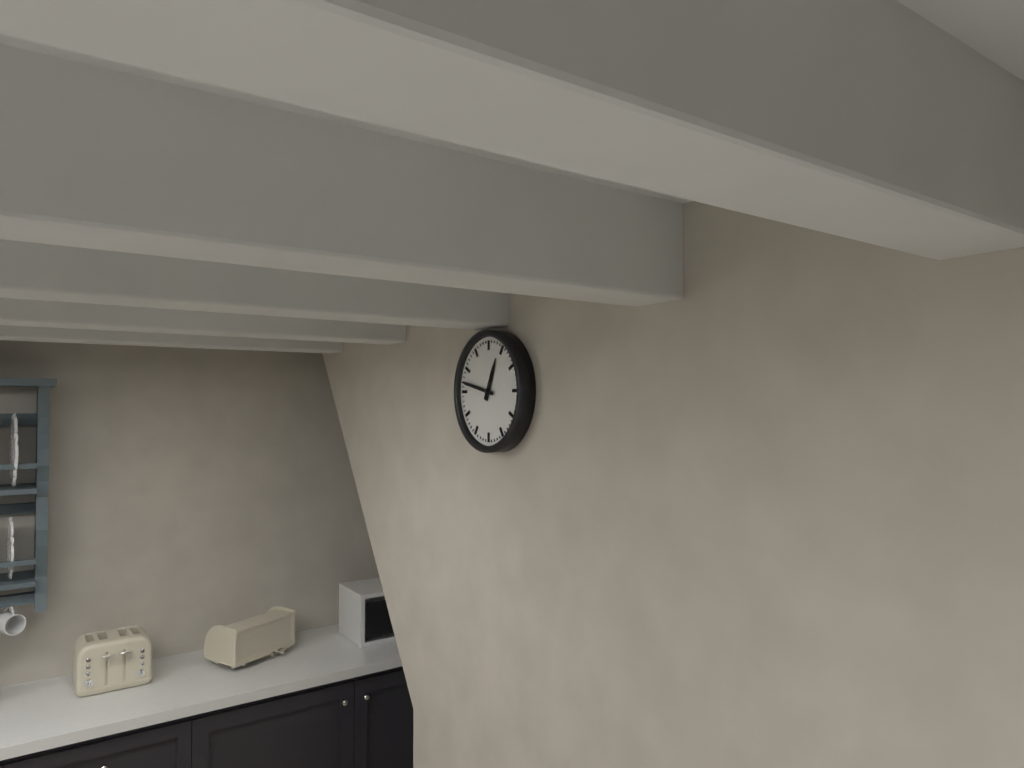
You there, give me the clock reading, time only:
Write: 12:47
